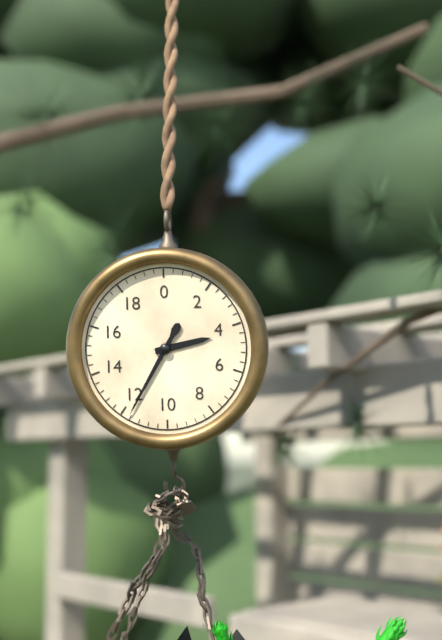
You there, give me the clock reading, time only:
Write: 2:35
